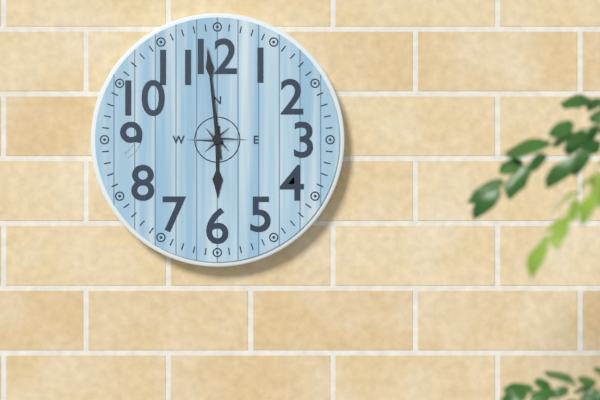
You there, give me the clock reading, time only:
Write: 5:59
